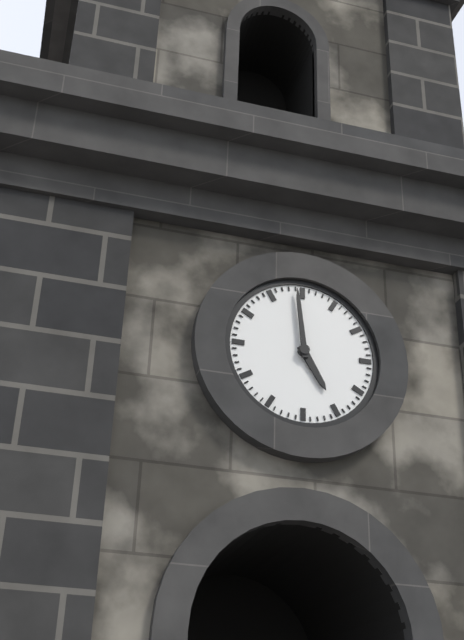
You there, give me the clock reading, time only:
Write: 4:59
